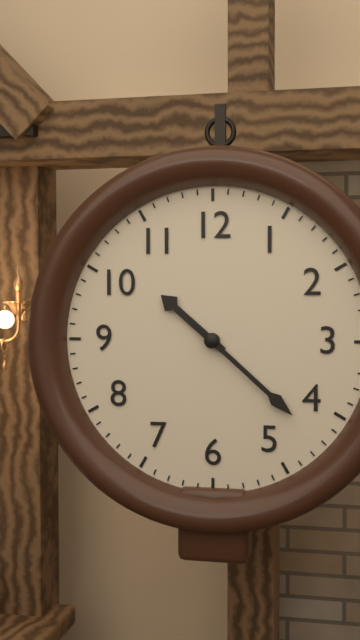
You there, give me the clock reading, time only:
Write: 10:22
